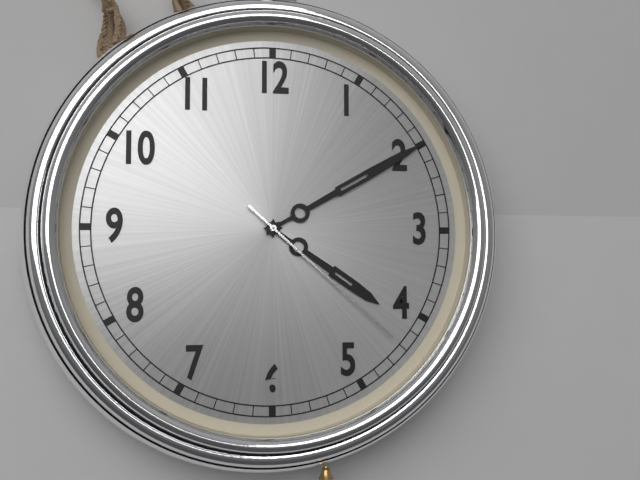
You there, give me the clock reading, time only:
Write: 4:10:22
